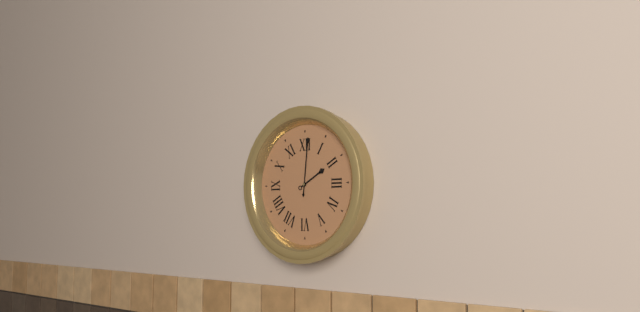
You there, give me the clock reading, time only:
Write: 2:01
